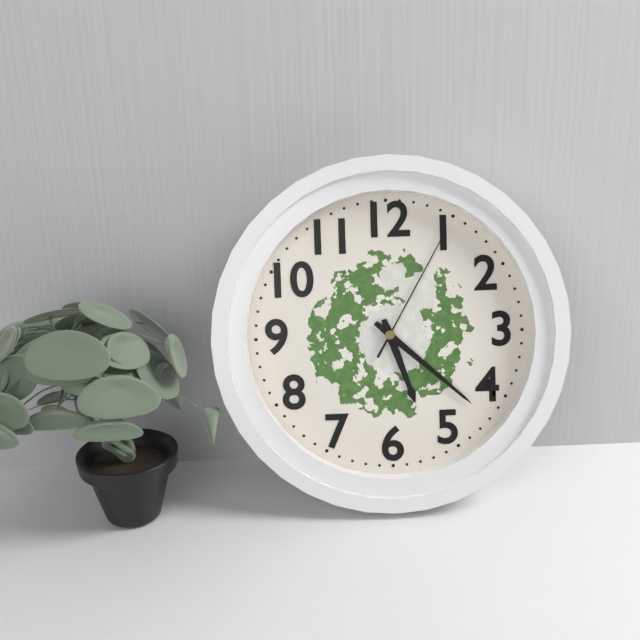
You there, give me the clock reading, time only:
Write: 5:22:05
